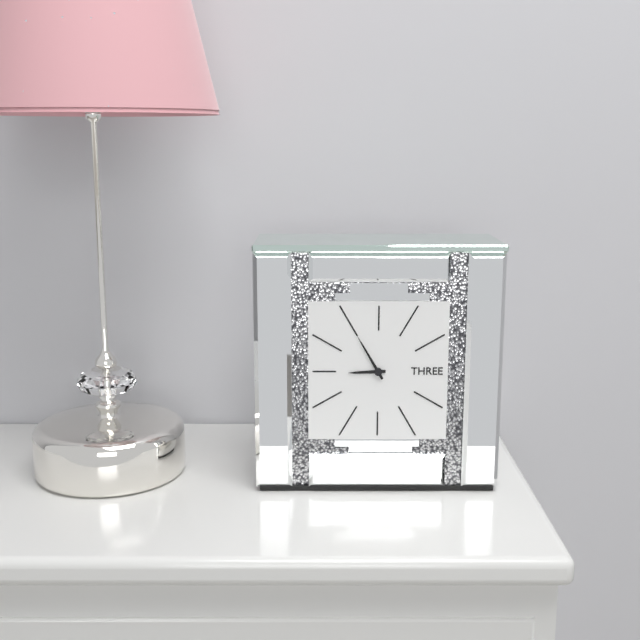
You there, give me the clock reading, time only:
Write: 8:55
